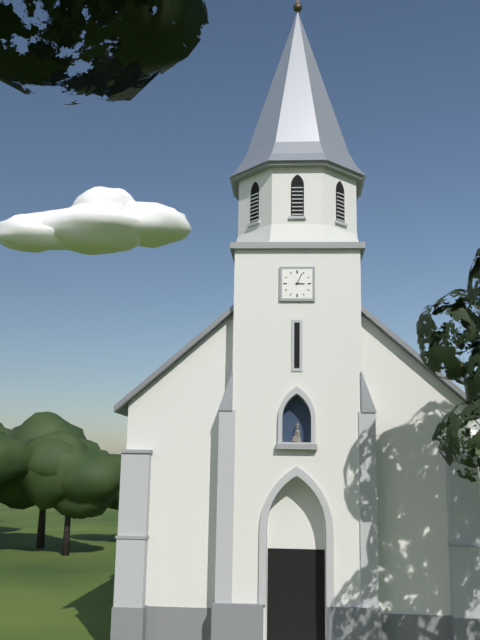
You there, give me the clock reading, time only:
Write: 3:04
